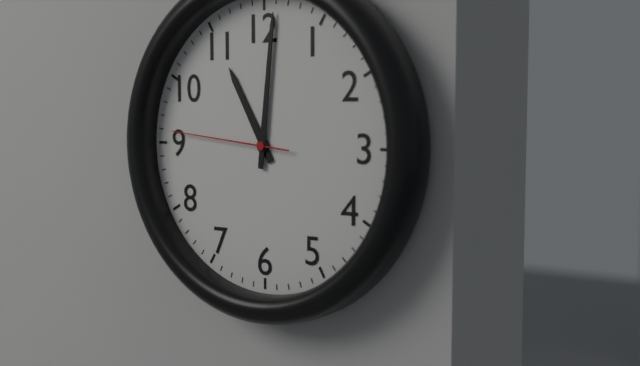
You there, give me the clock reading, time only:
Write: 11:01:46
